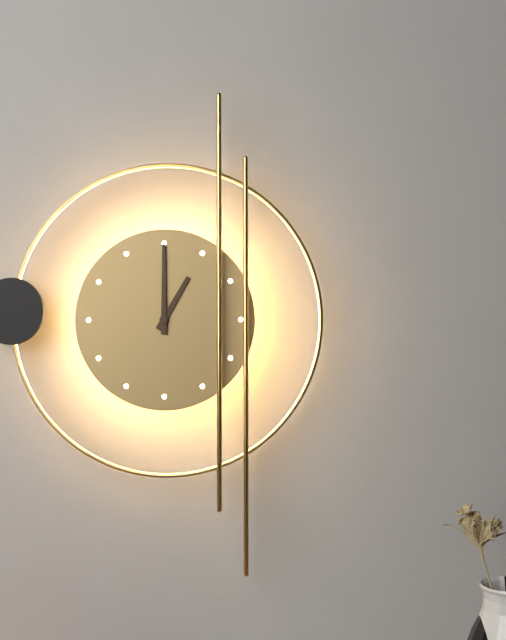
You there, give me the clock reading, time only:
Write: 1:00
